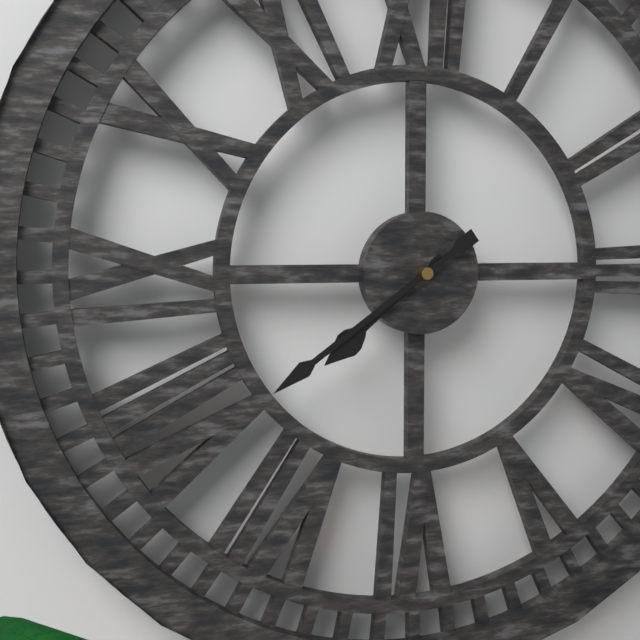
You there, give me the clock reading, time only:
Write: 7:39
